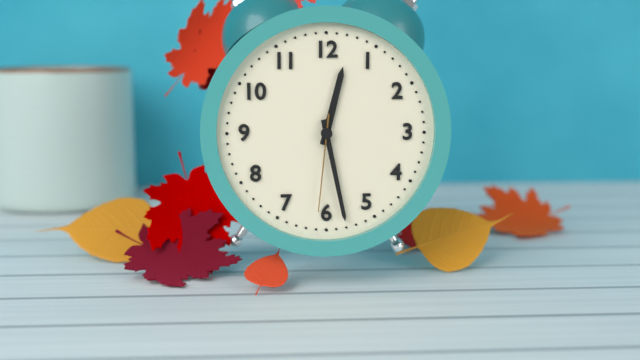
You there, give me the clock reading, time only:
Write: 12:28:31
